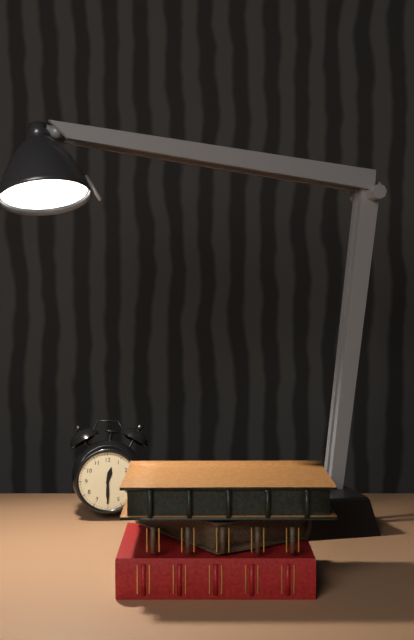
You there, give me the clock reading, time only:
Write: 12:30
